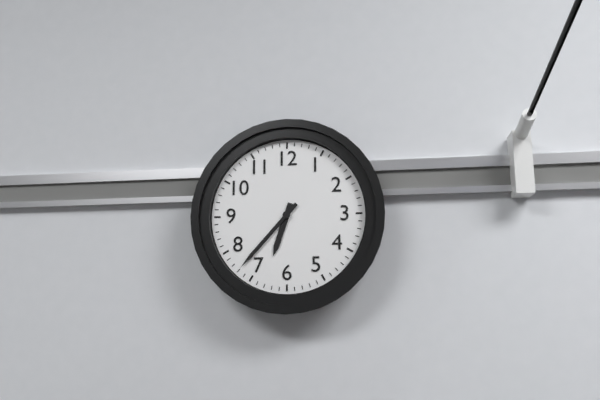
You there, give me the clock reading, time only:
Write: 6:37
